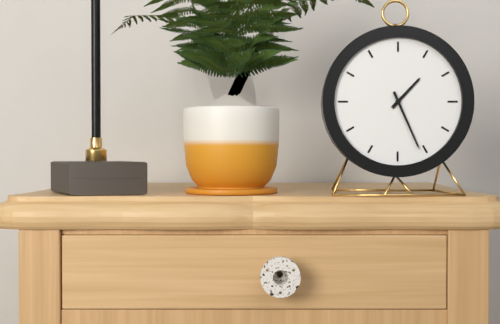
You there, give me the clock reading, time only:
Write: 1:26
